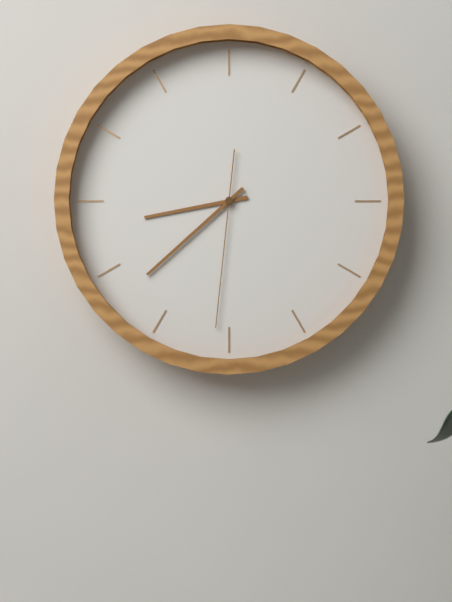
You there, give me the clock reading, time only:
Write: 8:38:31
